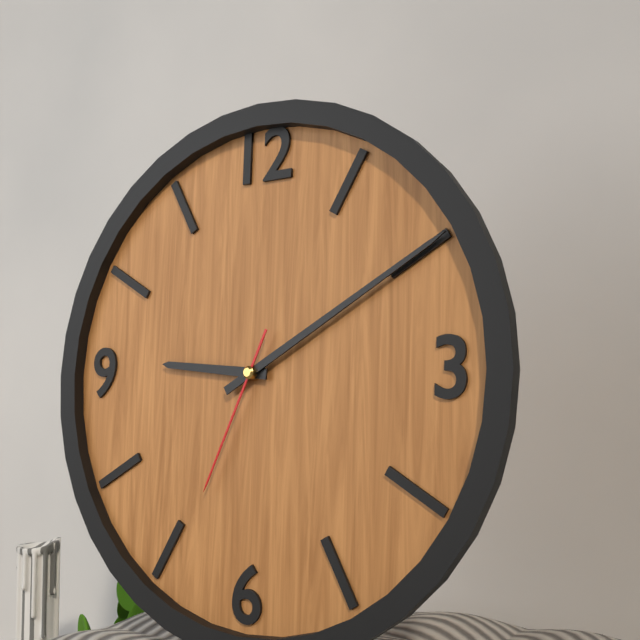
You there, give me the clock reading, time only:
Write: 9:10:34
